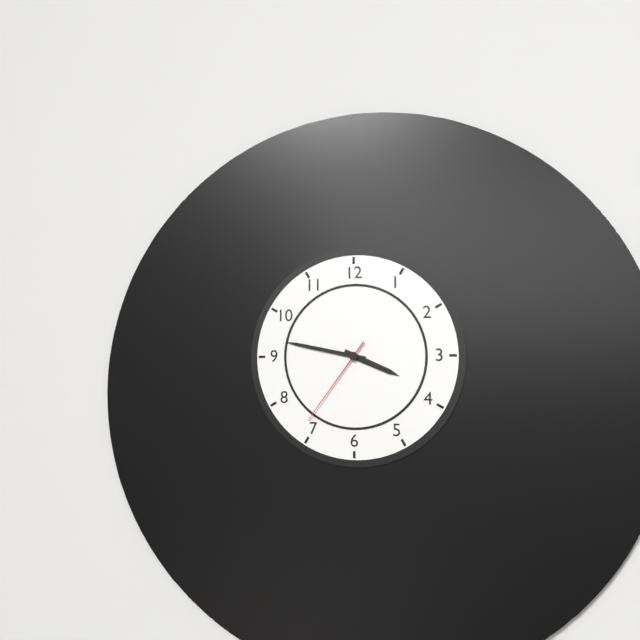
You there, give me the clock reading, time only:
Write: 3:47:36
